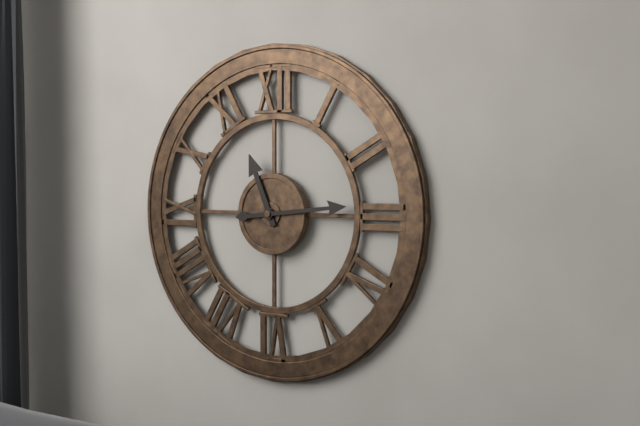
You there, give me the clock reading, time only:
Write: 11:14
